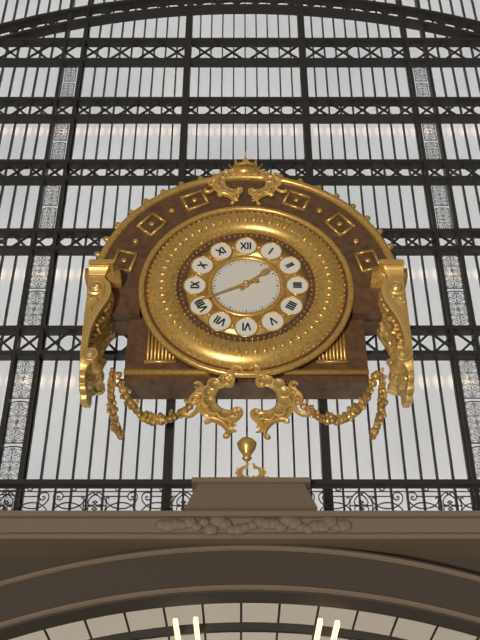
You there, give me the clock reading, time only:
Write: 1:41
